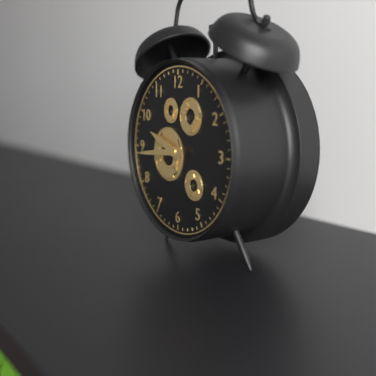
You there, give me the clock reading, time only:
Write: 9:44
